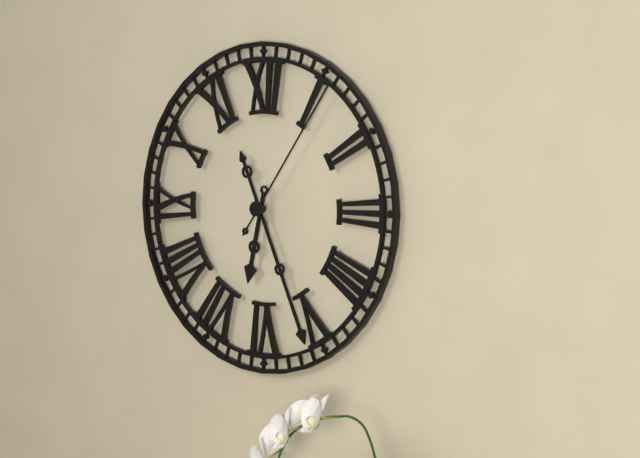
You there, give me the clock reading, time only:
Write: 6:26:06
